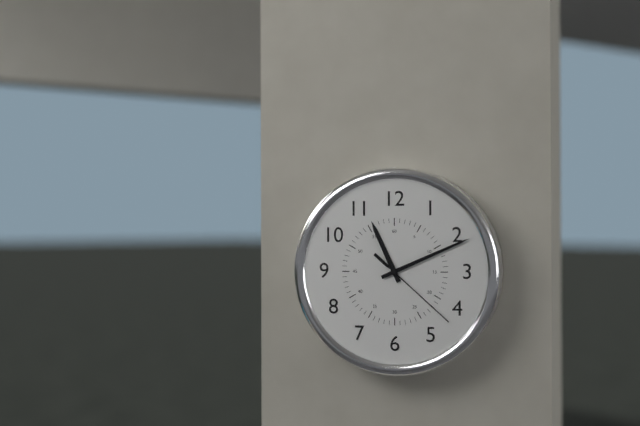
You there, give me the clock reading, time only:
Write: 11:11:22
